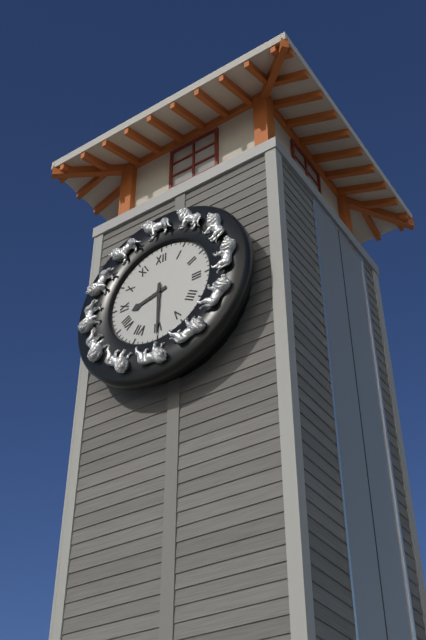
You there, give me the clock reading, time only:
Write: 8:30
